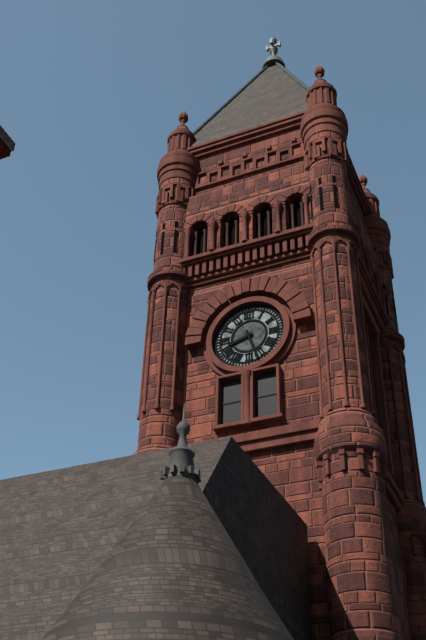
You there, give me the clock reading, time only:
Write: 8:27
